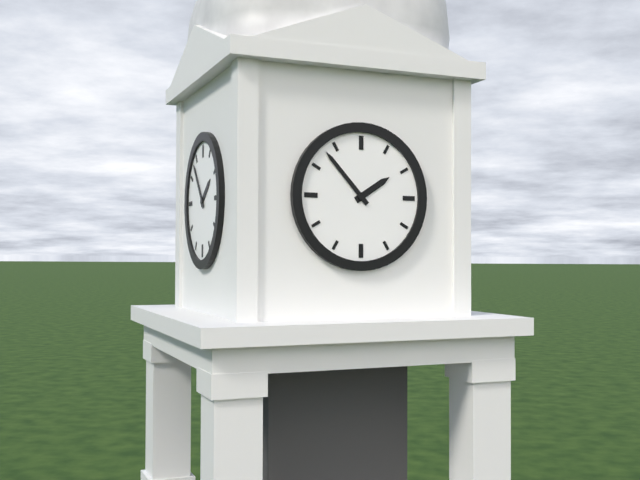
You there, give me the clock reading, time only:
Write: 1:53
